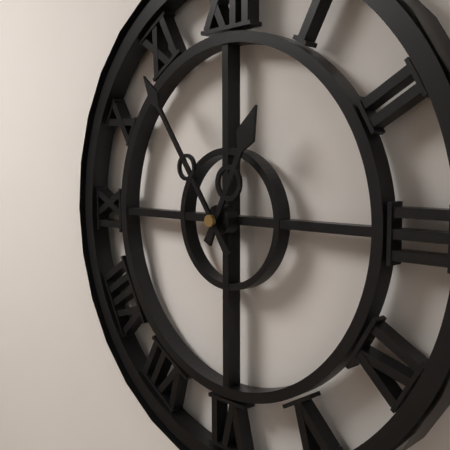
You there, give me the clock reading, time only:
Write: 12:54
